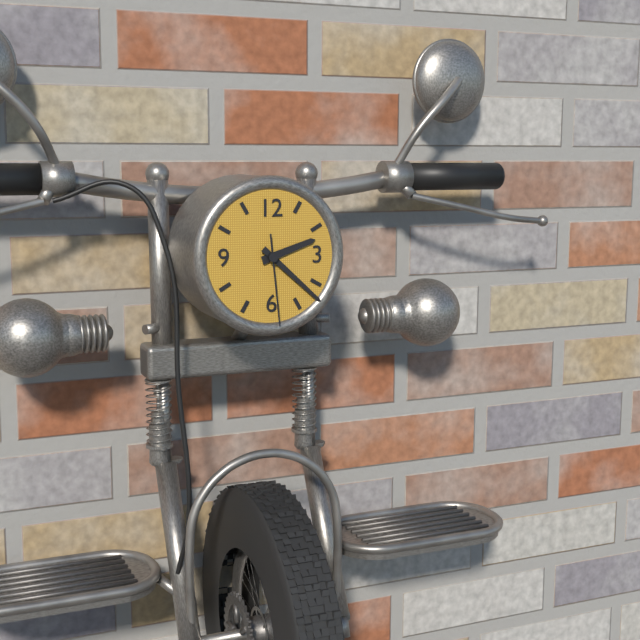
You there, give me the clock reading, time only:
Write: 2:22:29
